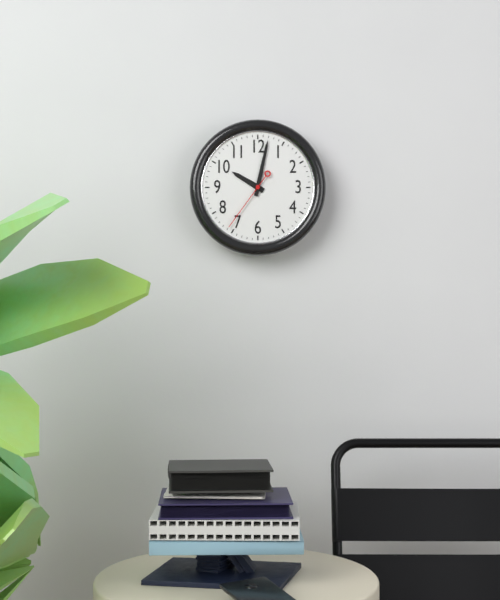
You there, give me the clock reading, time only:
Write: 10:02:36
